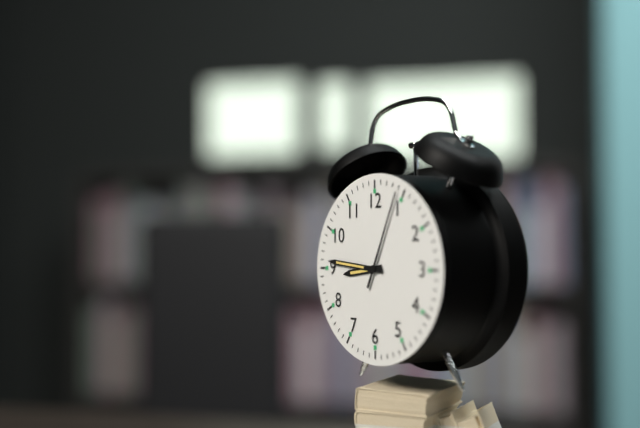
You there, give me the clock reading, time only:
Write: 8:46:04
